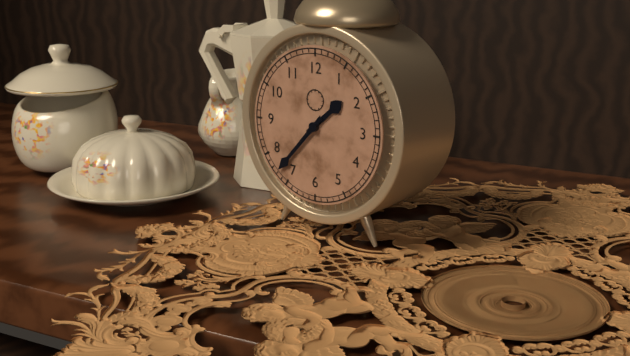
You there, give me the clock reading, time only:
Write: 1:37
